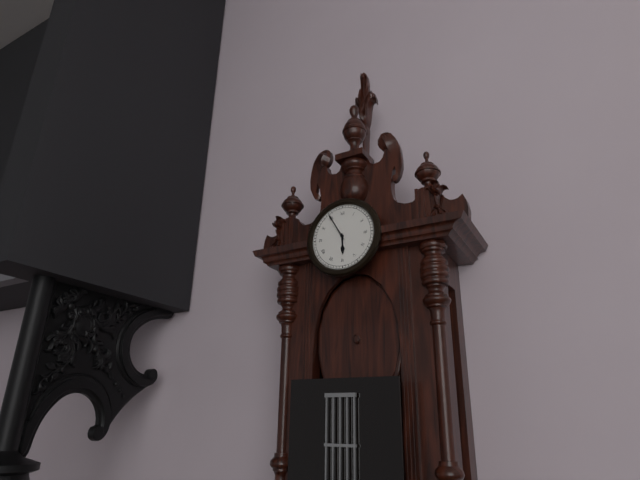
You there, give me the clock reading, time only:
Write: 5:55
